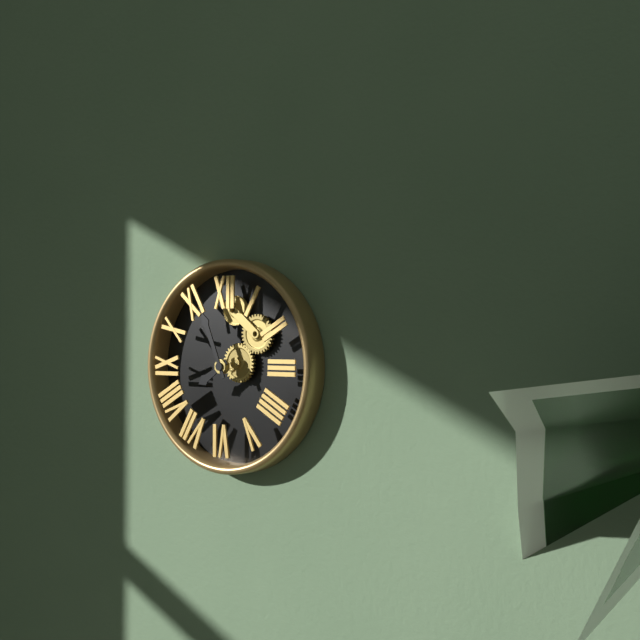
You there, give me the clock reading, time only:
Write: 7:56
